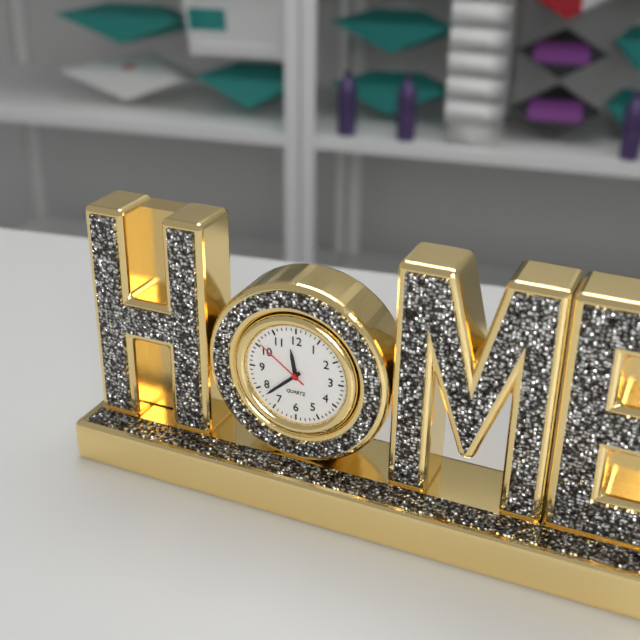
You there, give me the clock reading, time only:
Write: 11:38:51
